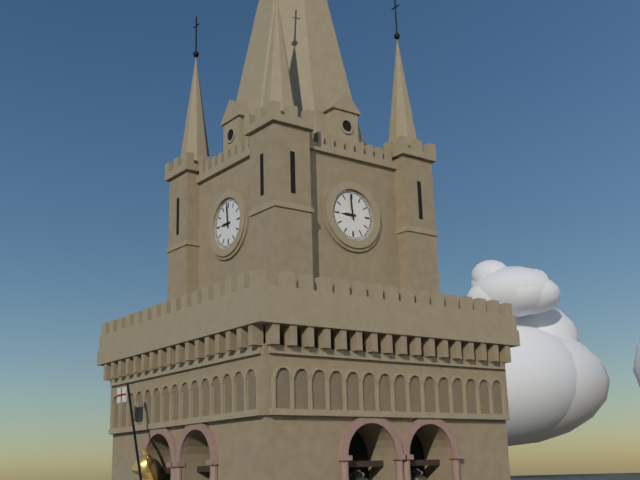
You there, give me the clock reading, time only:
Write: 8:59
